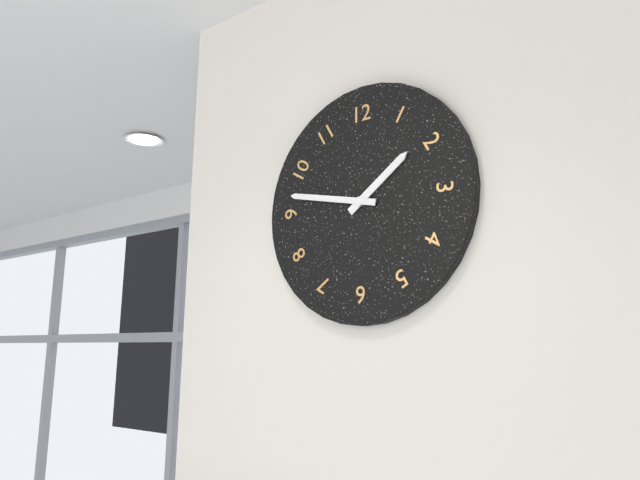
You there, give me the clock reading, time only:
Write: 1:47
